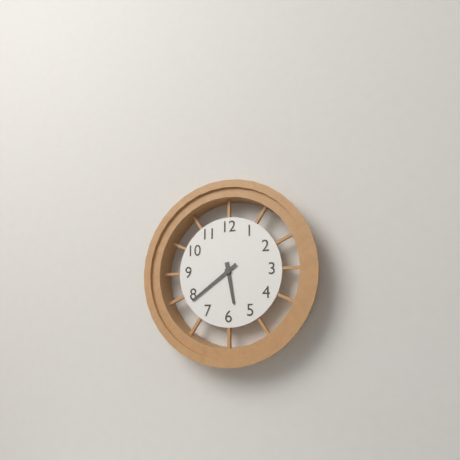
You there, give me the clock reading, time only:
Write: 5:39
